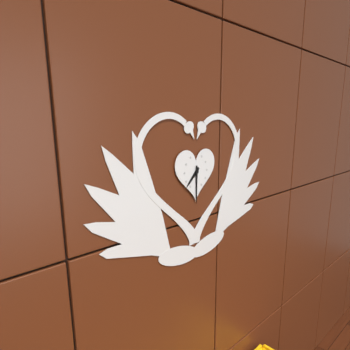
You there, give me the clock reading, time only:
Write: 7:30
